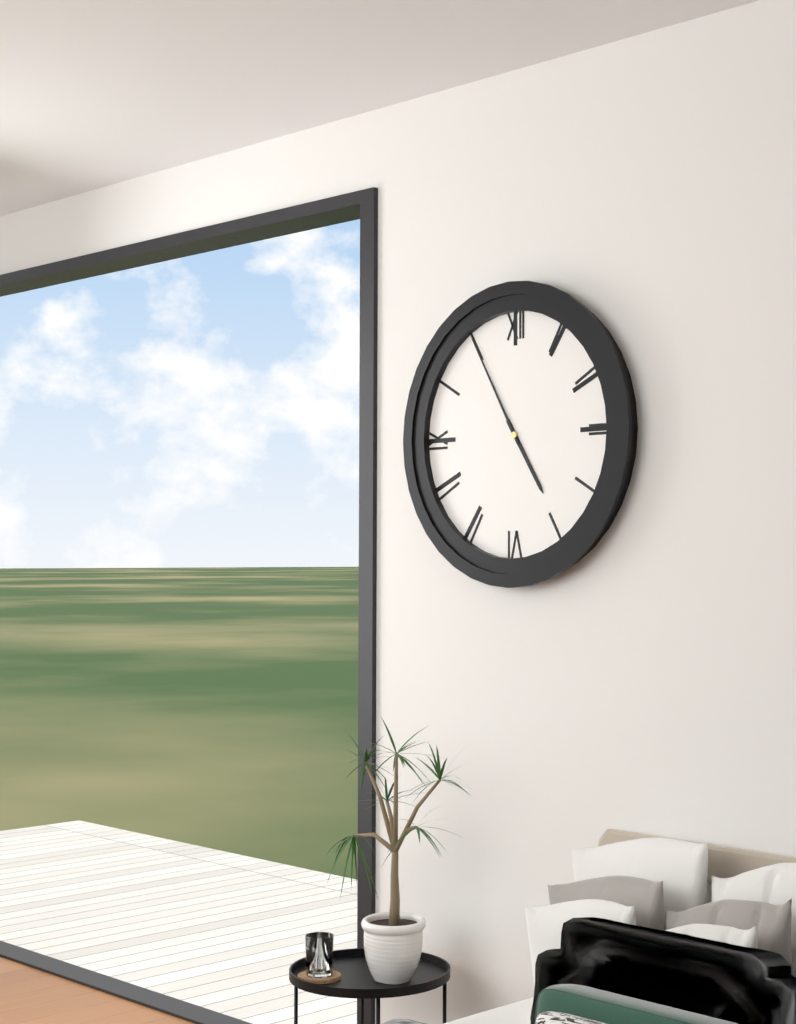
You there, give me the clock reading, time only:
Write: 4:55
